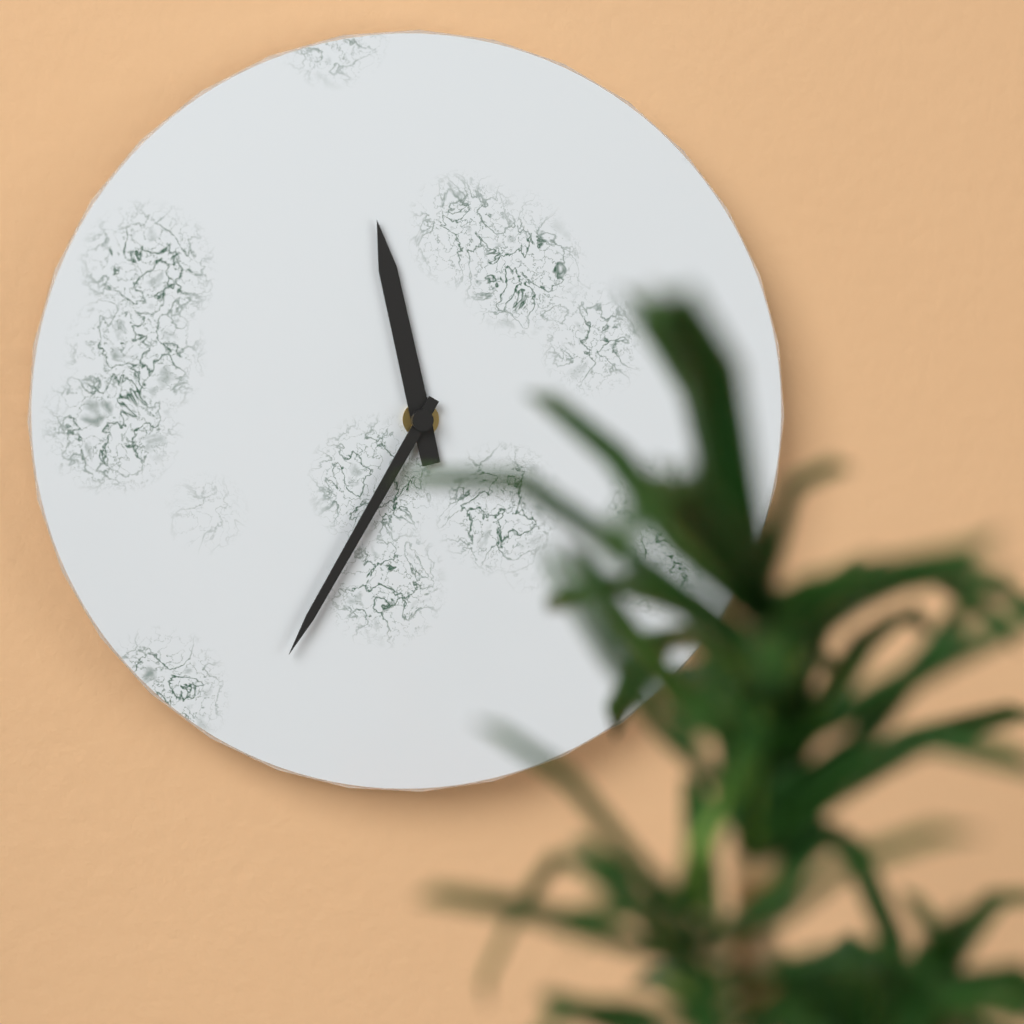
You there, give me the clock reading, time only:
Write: 11:35
